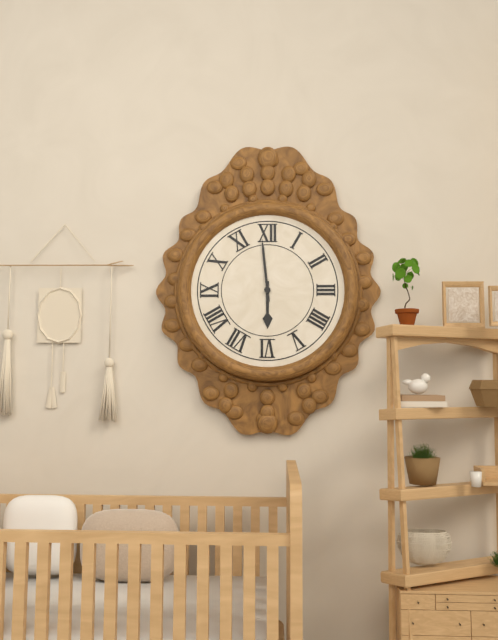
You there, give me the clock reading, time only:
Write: 5:59
